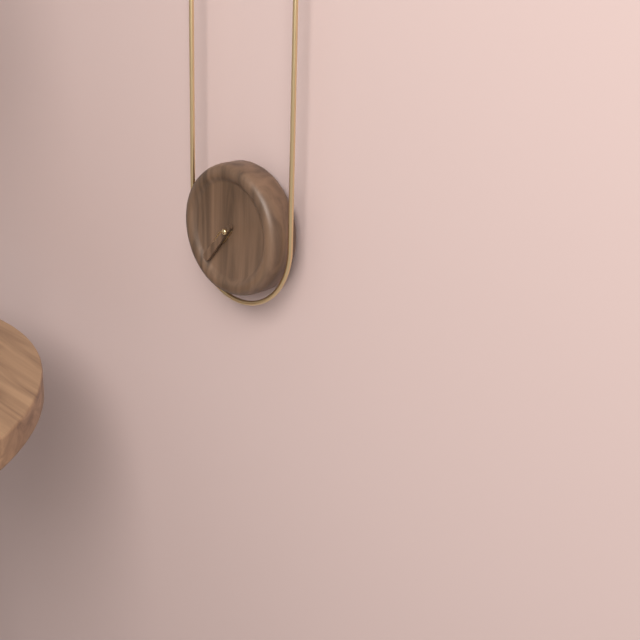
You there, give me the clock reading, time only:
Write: 7:37
